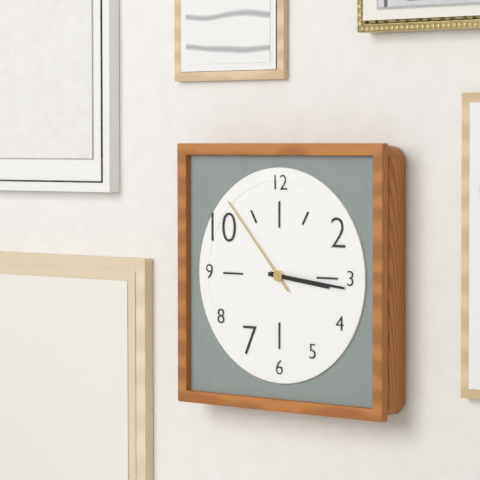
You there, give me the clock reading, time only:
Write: 3:16:53
